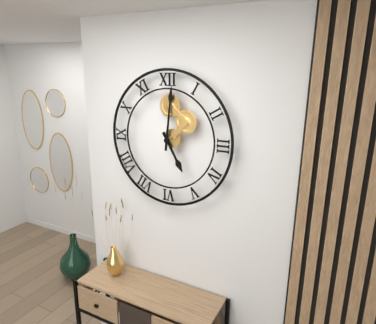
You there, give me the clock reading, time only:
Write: 5:01
